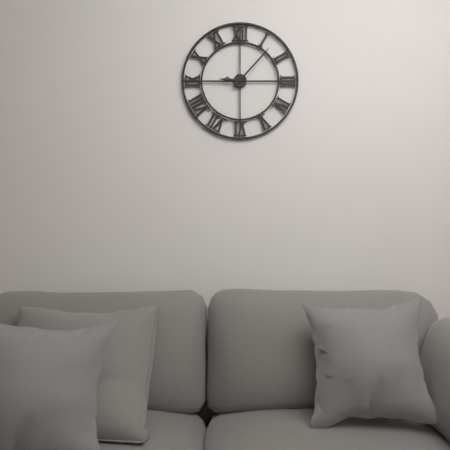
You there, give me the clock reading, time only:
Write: 9:07
